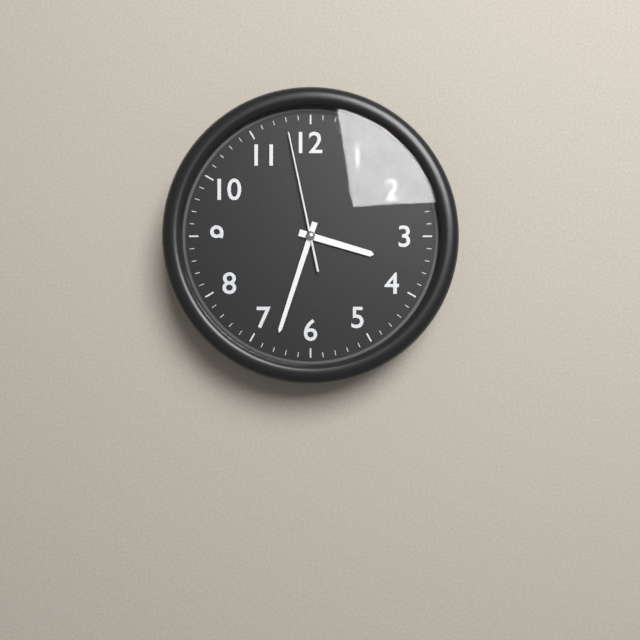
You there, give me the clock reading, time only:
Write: 3:33:58
